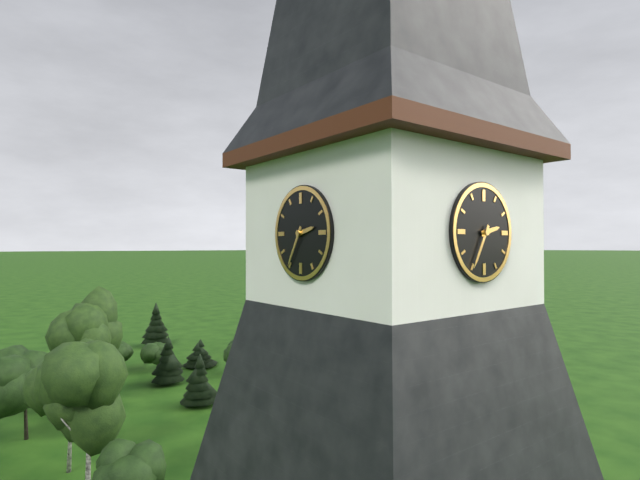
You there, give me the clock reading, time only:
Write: 2:35
